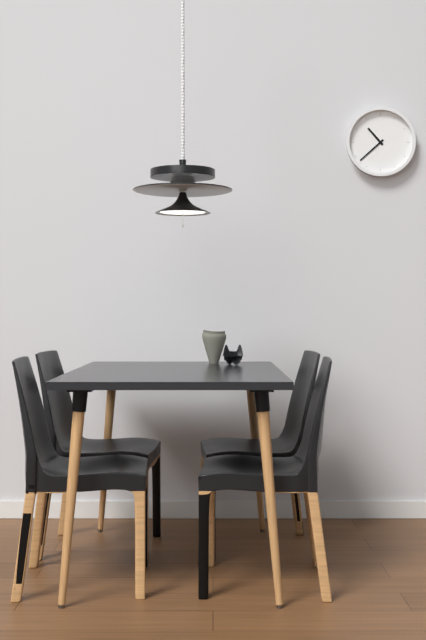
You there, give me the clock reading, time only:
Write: 10:38
